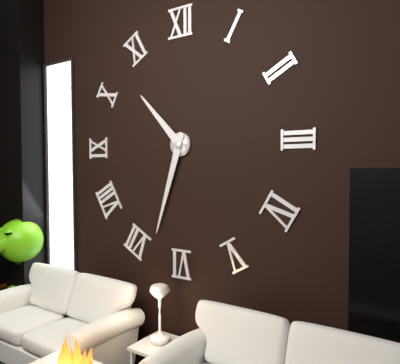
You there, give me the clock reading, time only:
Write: 10:33
